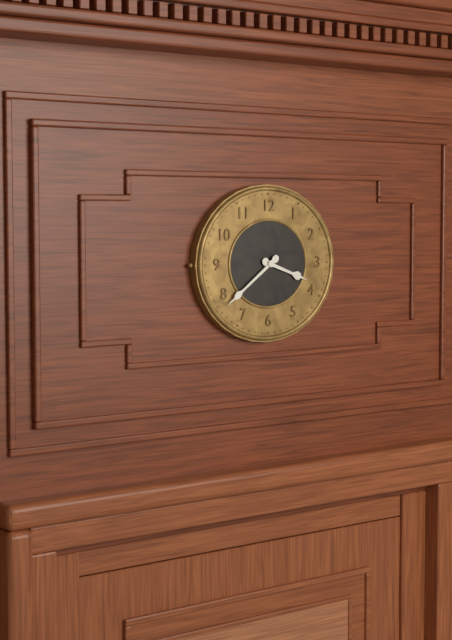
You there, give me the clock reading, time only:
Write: 3:39
